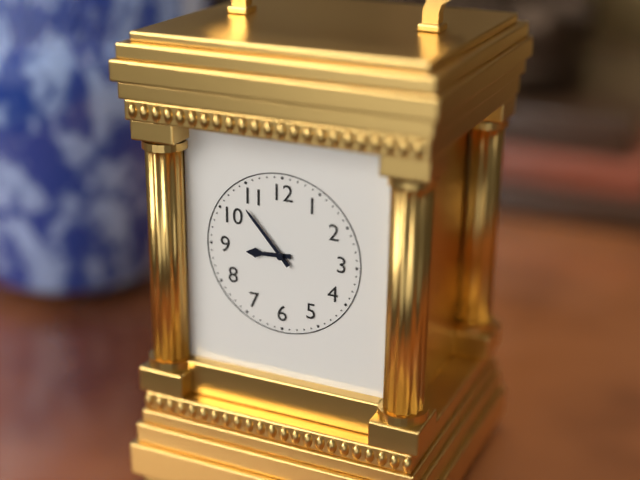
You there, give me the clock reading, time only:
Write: 8:53
